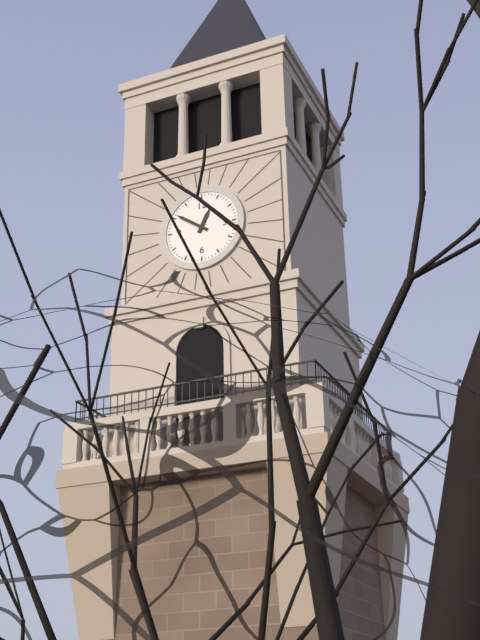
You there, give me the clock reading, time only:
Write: 12:51
